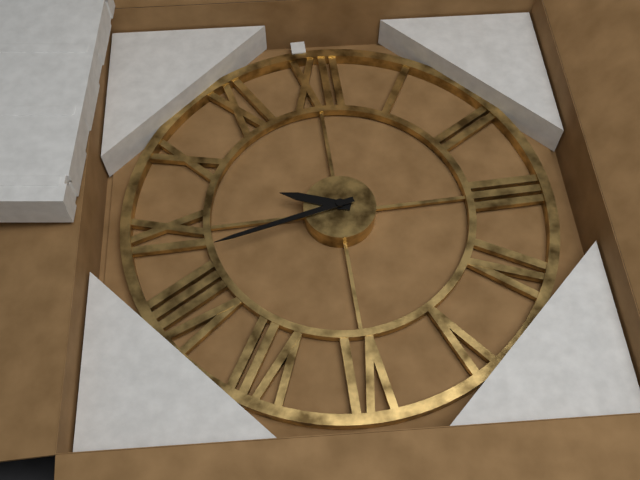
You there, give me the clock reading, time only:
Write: 9:43
